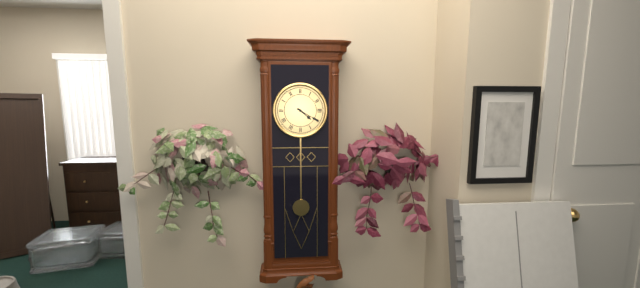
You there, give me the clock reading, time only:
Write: 4:20
